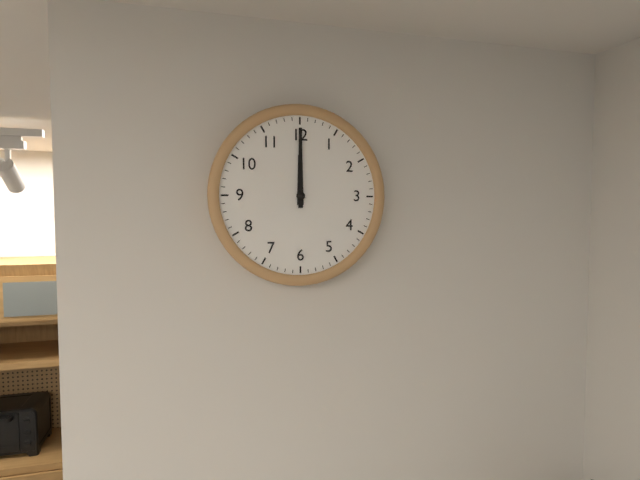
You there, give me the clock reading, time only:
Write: 12:00
